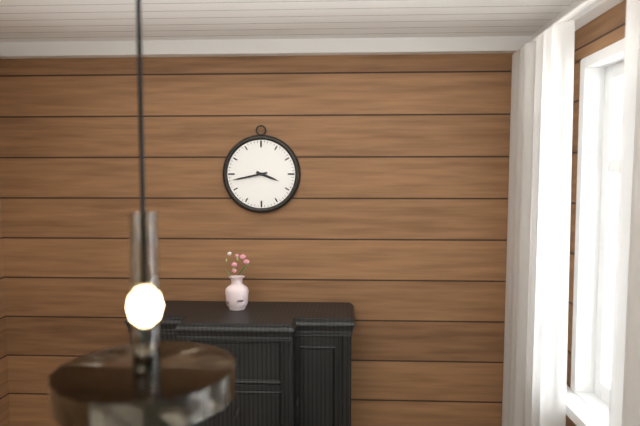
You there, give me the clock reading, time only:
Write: 3:43
